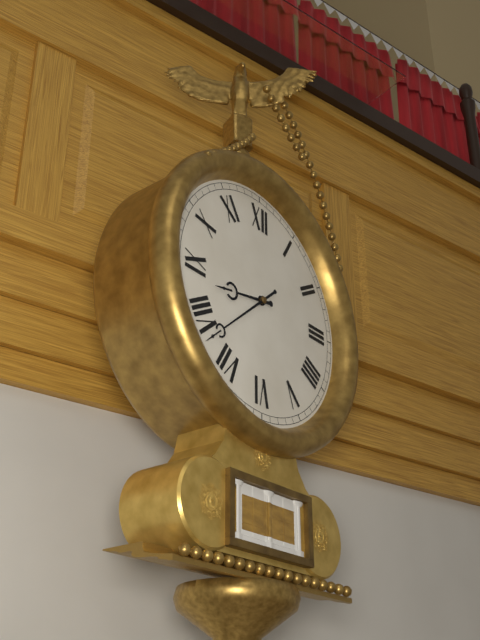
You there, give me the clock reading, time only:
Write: 8:38
